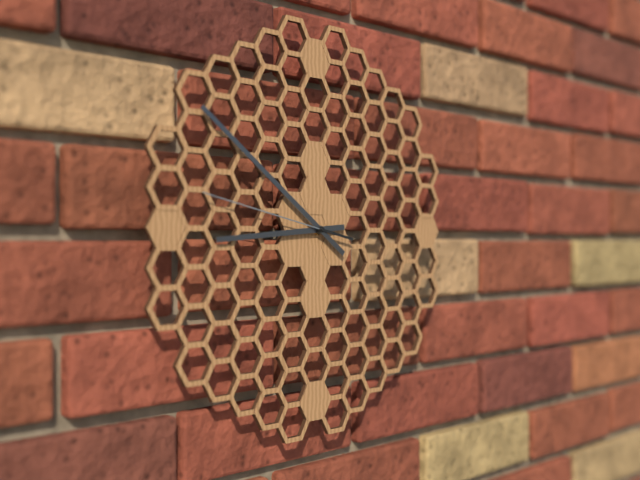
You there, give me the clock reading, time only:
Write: 8:51:47
